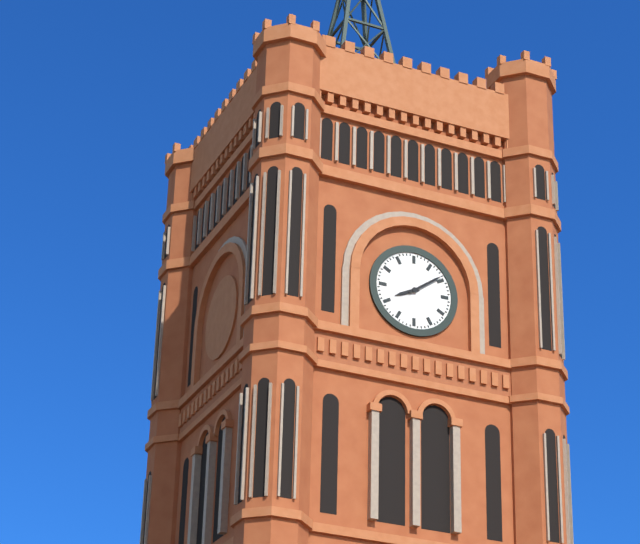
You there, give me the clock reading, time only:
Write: 8:09
